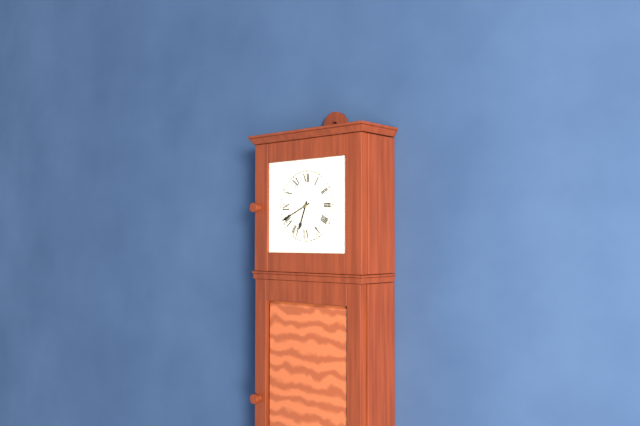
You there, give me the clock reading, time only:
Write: 6:41
